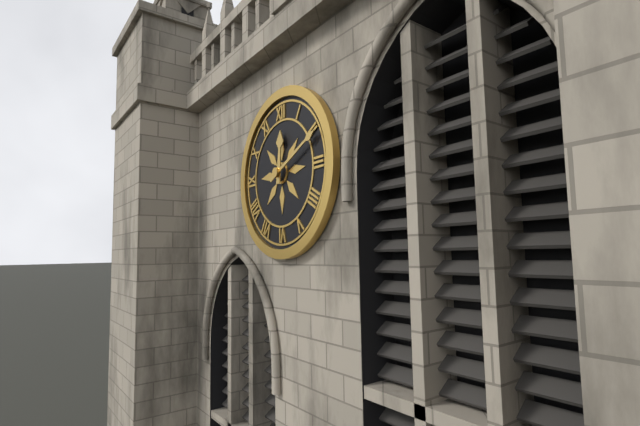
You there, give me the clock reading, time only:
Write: 12:11
